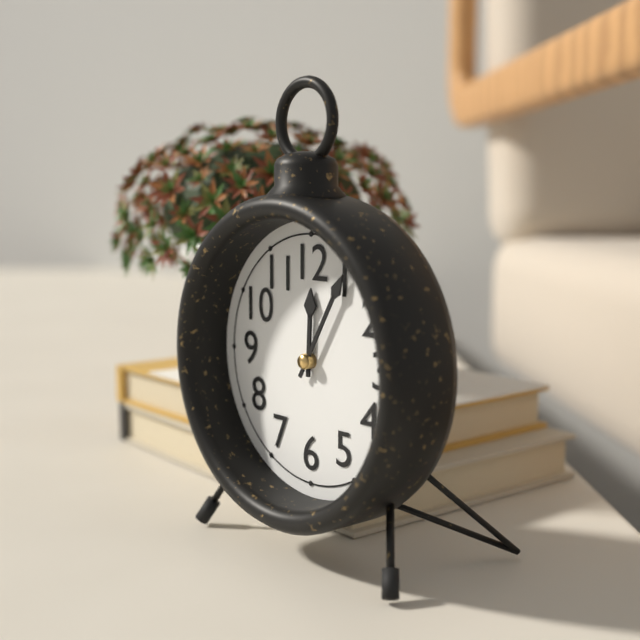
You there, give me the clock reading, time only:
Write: 12:05
